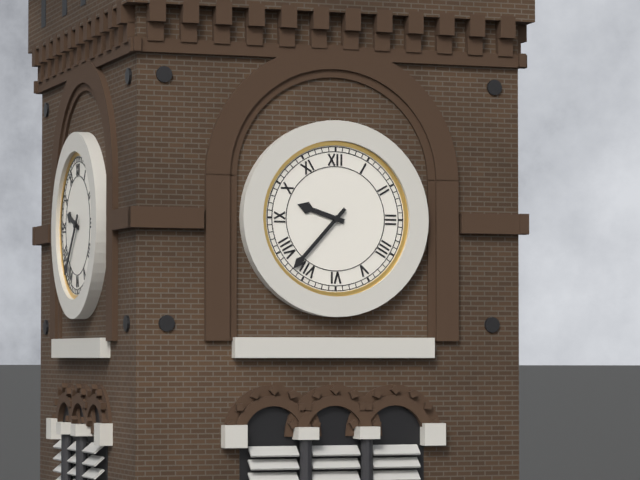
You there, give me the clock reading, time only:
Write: 9:37
